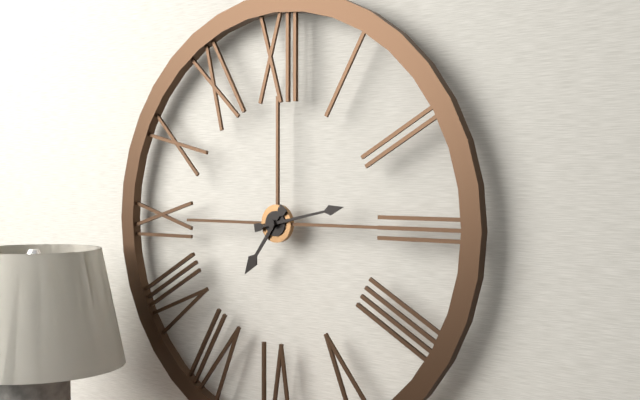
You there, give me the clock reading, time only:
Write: 7:13
